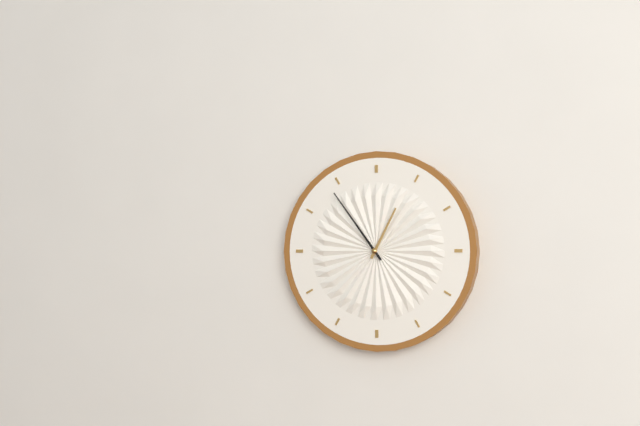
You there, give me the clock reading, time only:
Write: 12:54
